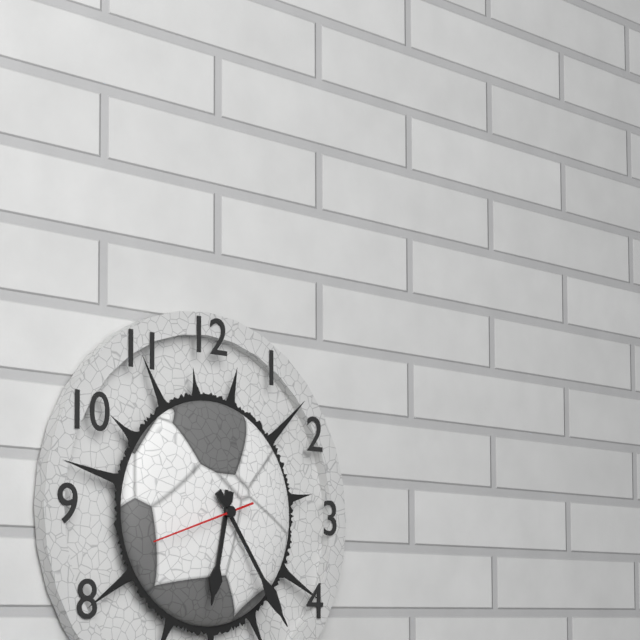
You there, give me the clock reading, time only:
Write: 6:24:42
